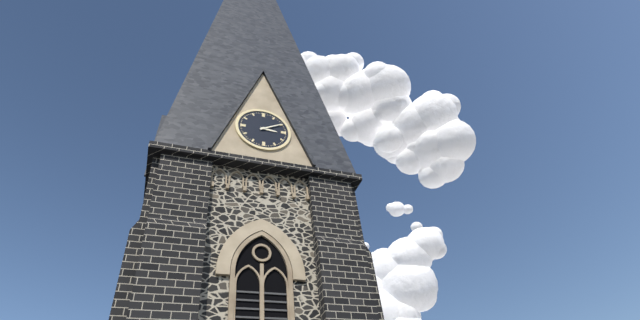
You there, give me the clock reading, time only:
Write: 3:10
